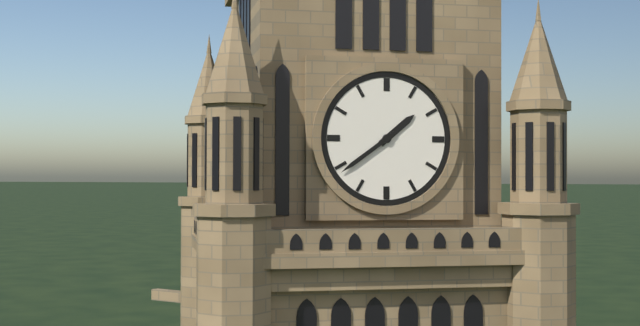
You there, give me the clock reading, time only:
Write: 1:39
